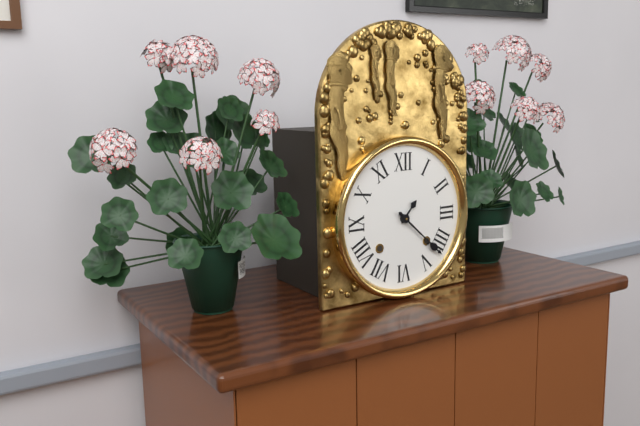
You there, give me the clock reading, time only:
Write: 1:22
